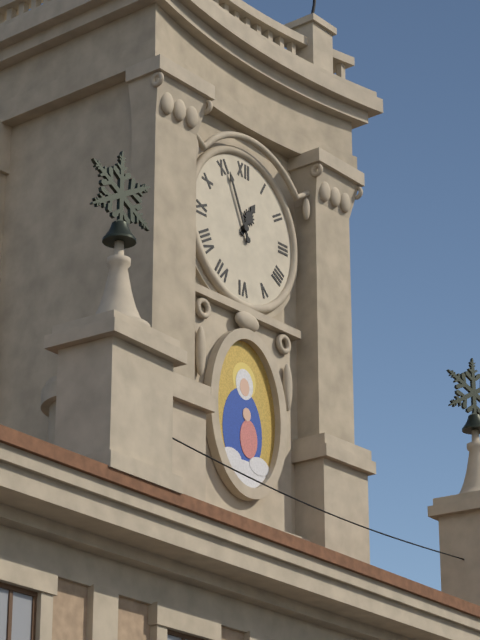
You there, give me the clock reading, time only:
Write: 12:56
